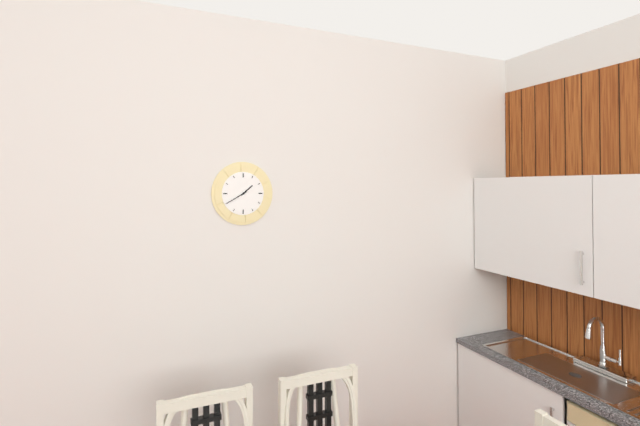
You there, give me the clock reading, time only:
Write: 1:40
